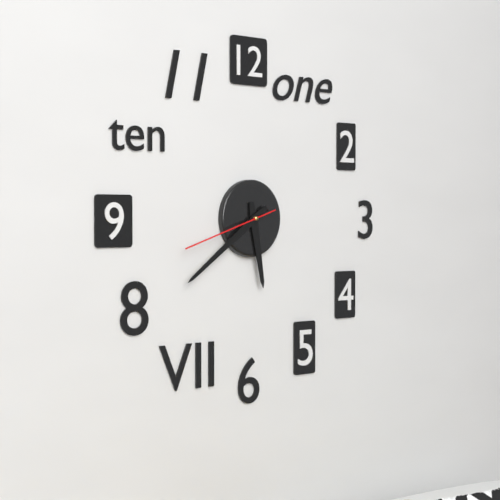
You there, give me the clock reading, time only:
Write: 5:39:42
